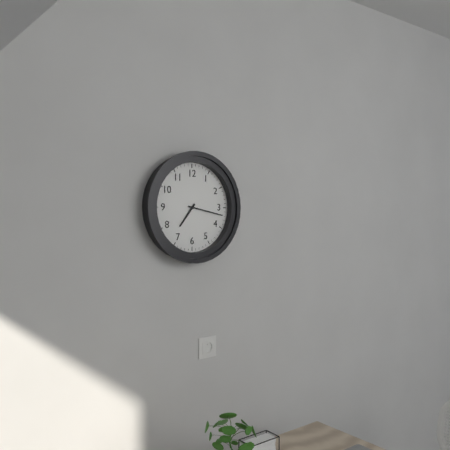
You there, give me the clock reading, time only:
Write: 7:17
